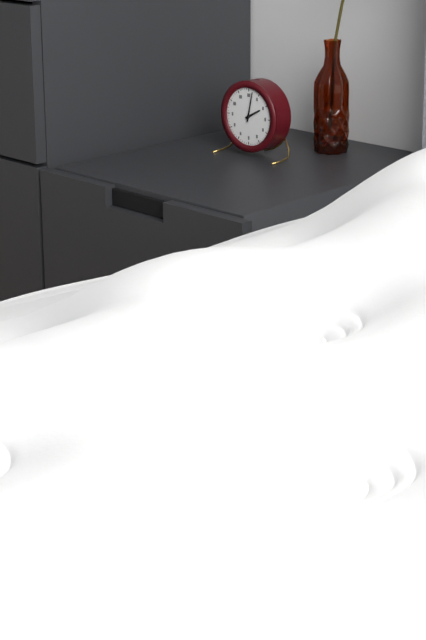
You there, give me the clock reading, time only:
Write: 2:02
